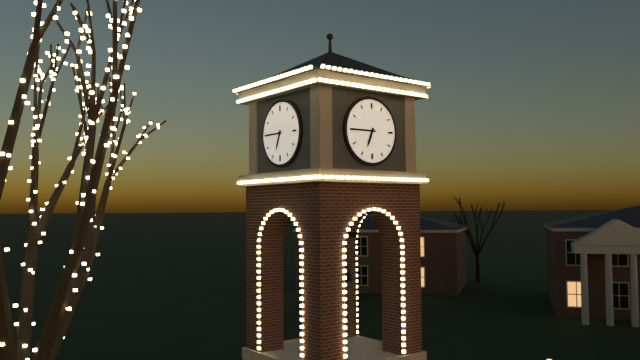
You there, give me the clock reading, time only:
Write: 6:45
